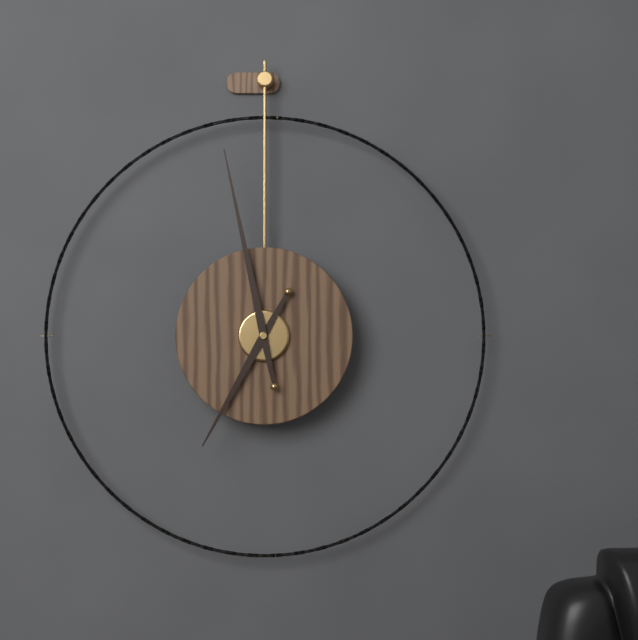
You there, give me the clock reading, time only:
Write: 6:58
